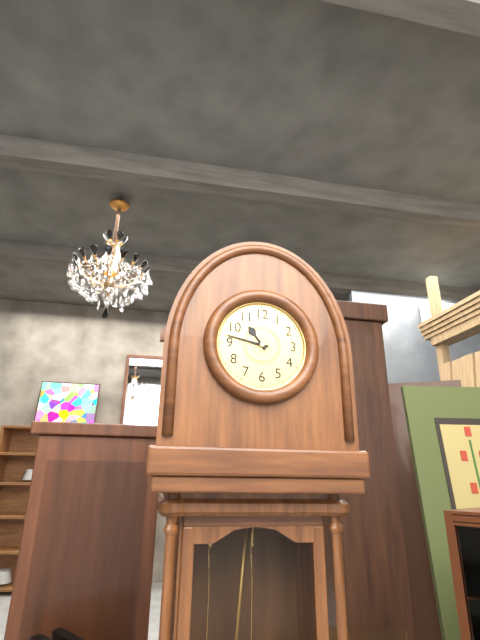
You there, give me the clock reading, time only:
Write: 10:47
